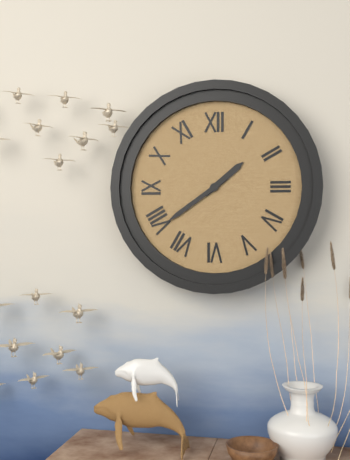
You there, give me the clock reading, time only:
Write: 1:39
